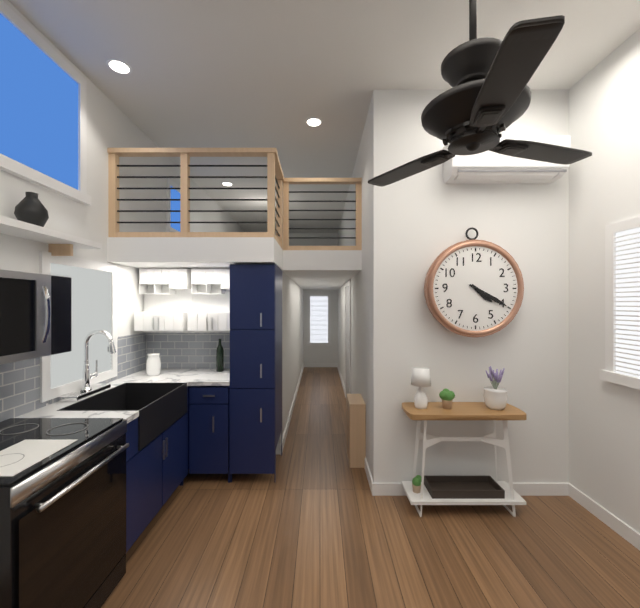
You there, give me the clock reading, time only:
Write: 4:20
